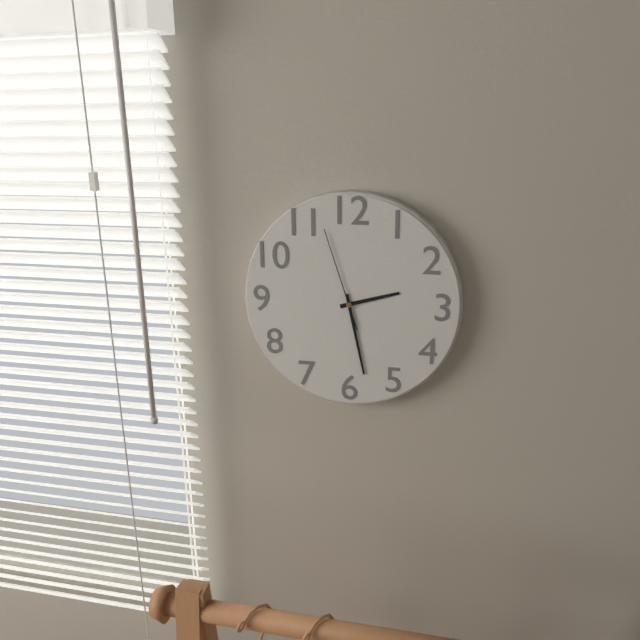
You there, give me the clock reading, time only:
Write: 2:28:57
